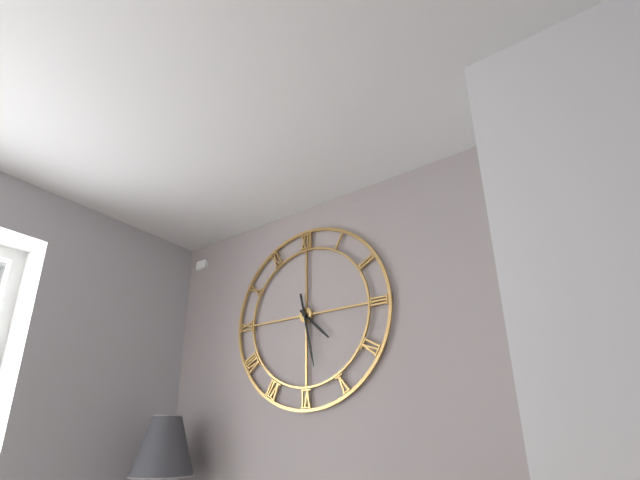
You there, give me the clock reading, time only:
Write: 4:28
